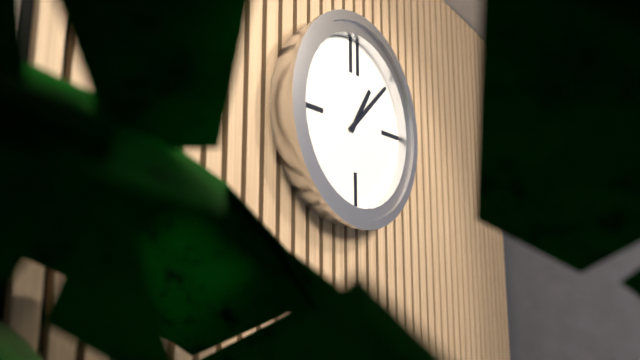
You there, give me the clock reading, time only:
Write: 1:08
